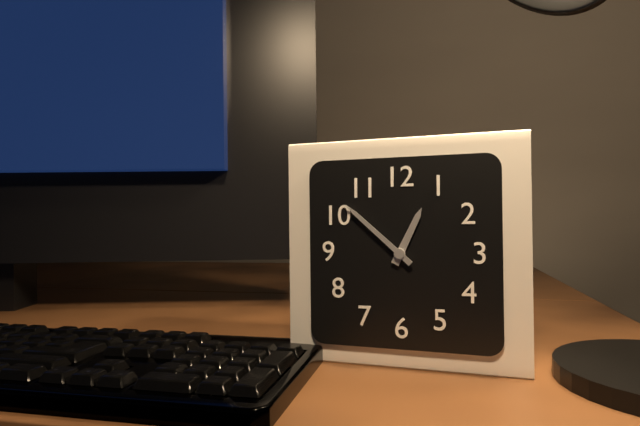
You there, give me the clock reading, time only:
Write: 12:52
